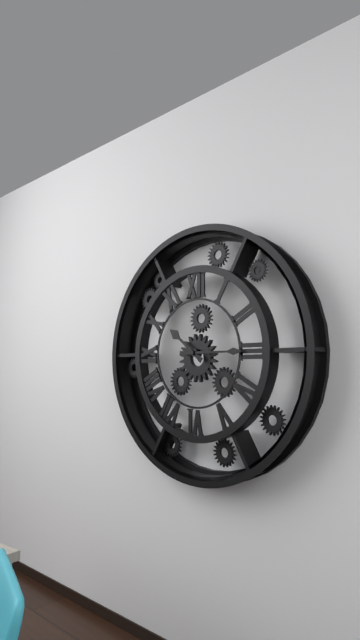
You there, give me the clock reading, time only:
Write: 10:15
